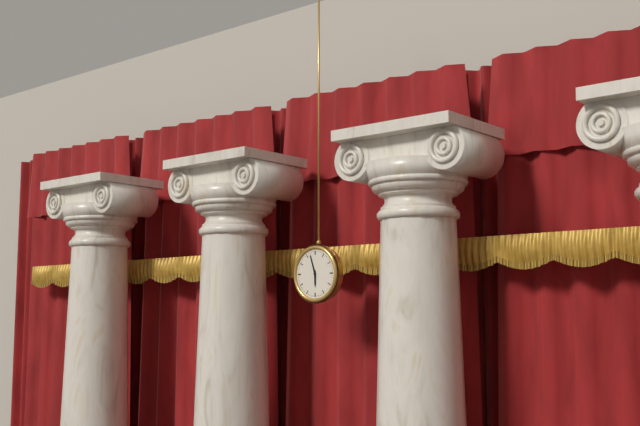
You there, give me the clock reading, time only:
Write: 5:57
